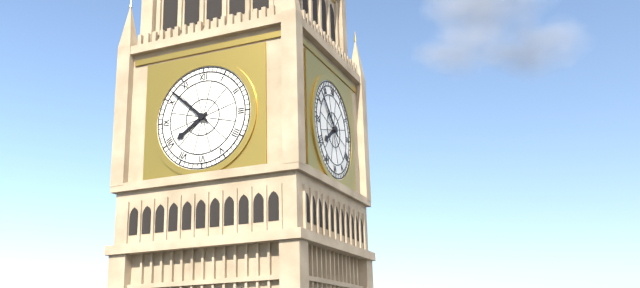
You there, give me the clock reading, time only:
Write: 7:52
